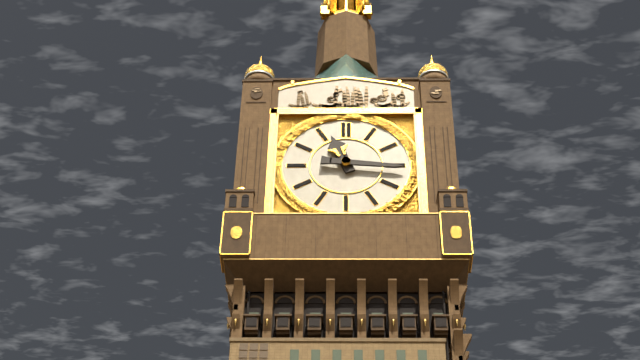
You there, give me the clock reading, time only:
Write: 11:16
